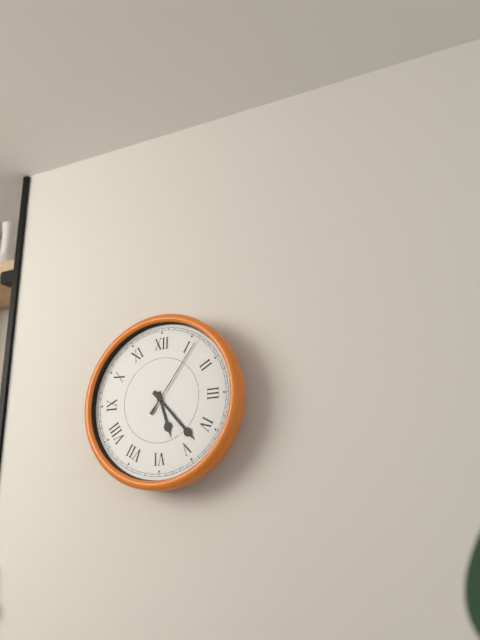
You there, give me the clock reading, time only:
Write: 5:23:06
